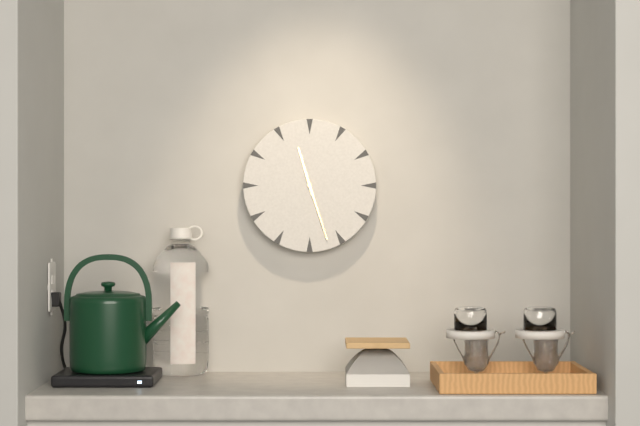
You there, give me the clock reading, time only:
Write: 11:27
